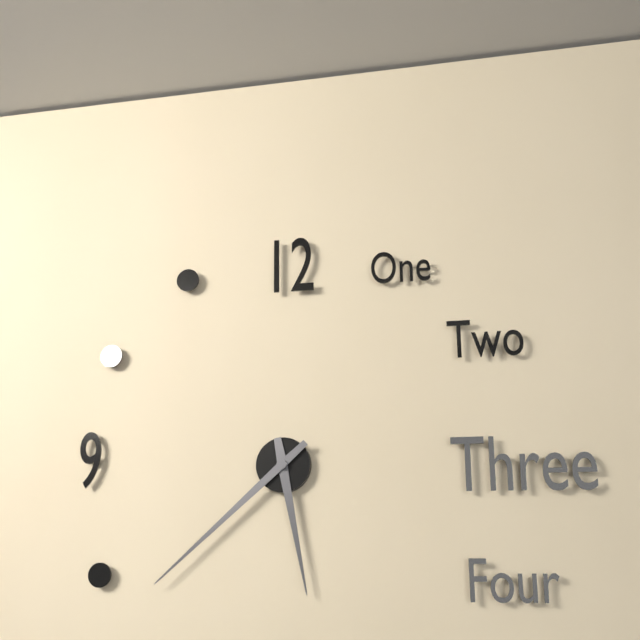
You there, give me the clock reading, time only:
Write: 5:38
